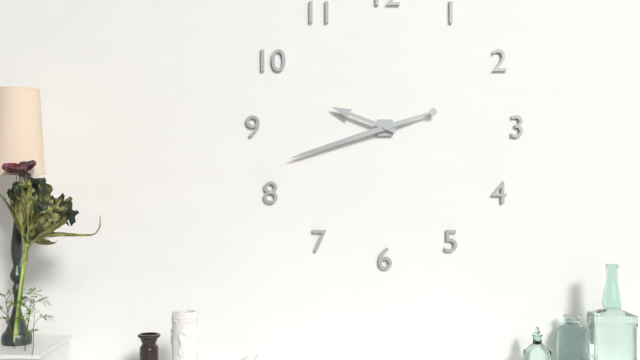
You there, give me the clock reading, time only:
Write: 9:42
